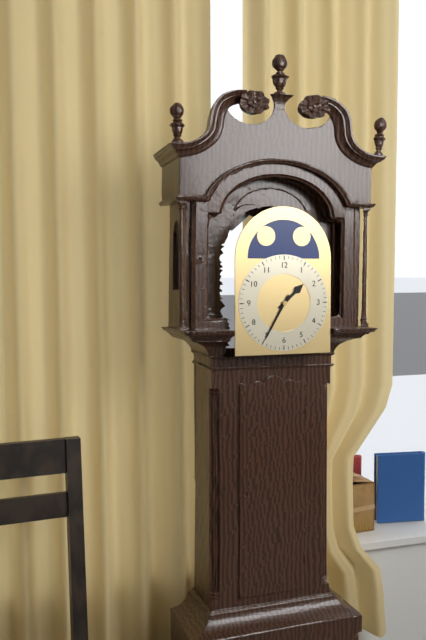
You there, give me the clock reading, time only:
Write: 1:35
